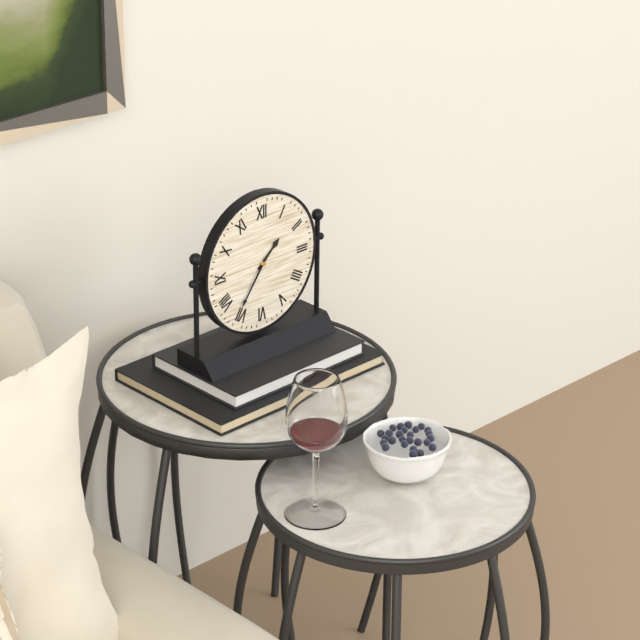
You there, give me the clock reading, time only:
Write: 1:36
